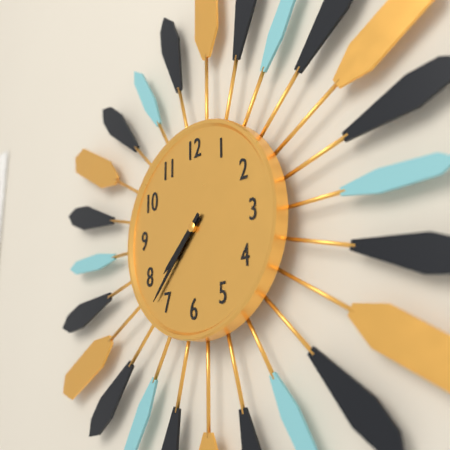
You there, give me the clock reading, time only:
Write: 7:37
